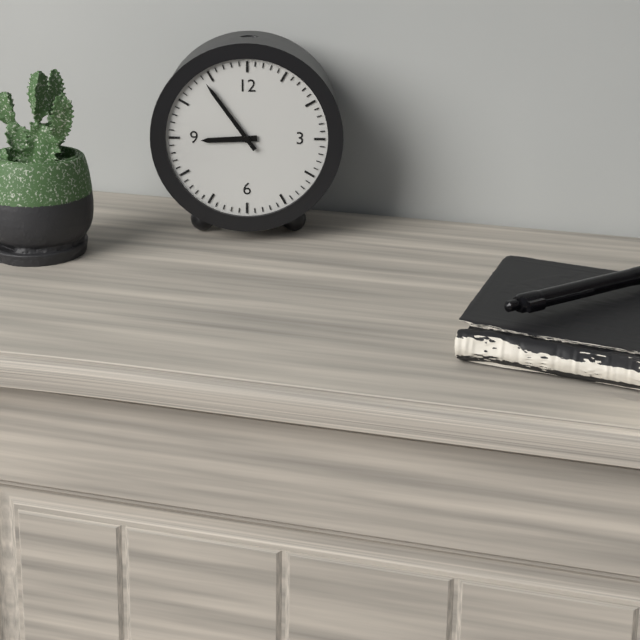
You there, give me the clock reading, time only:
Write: 8:54
